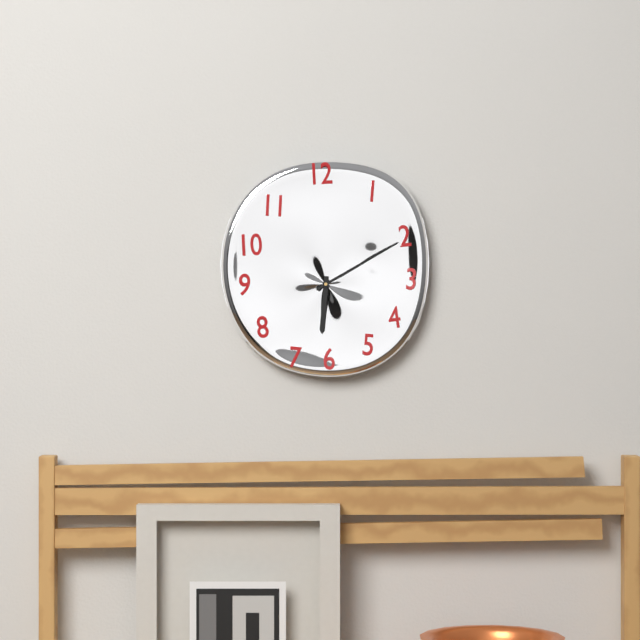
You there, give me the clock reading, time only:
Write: 6:10
